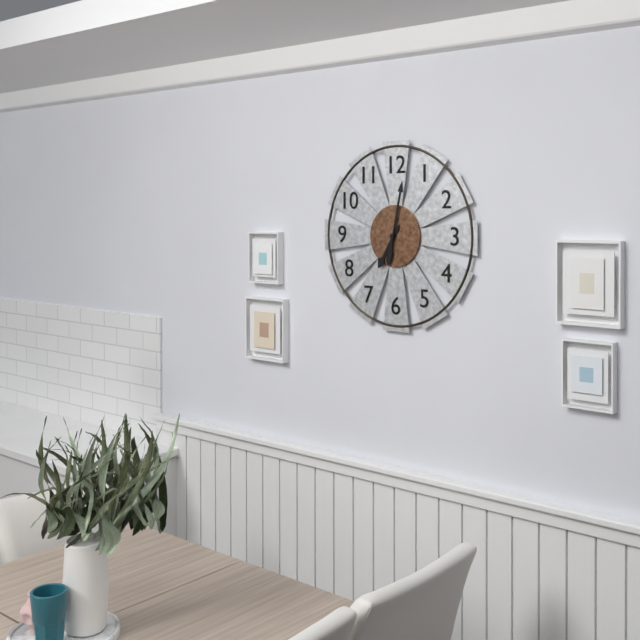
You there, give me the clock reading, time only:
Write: 7:02
